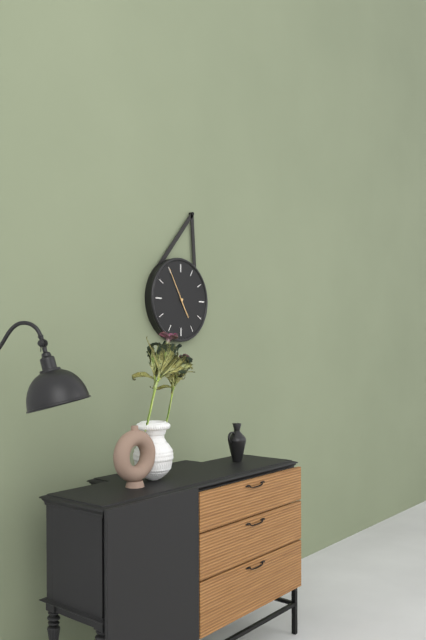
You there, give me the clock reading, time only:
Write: 4:55
